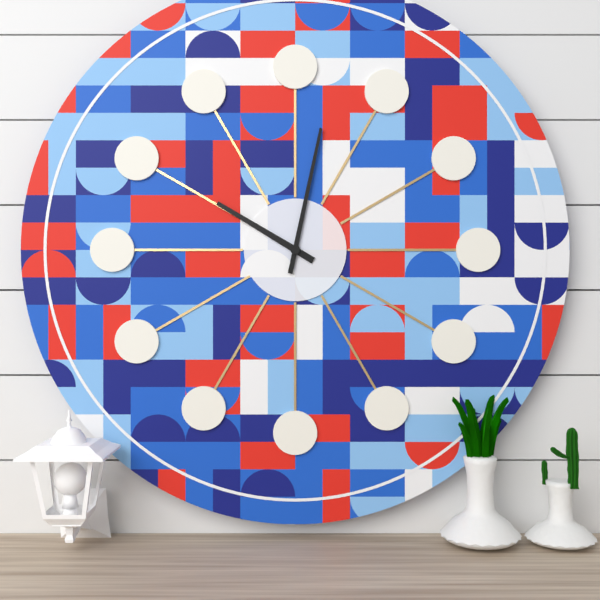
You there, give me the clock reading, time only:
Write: 10:02
